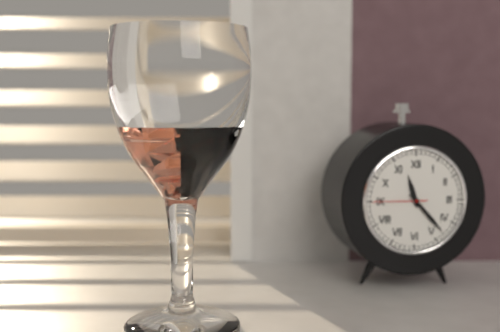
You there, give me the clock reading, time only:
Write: 11:23:45
